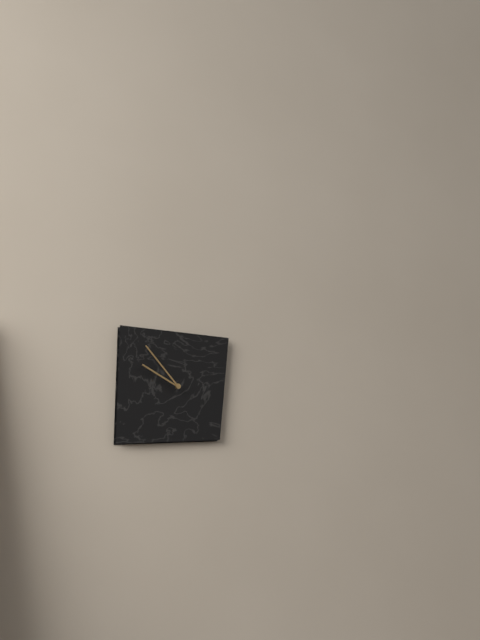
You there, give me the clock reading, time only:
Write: 9:53
